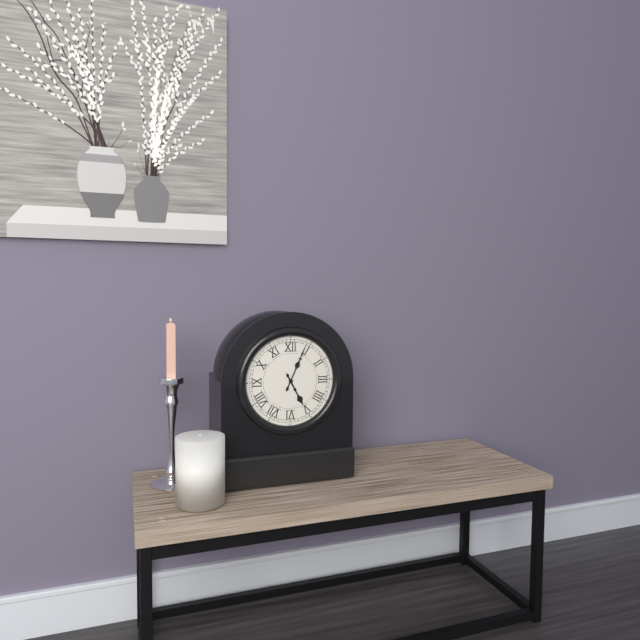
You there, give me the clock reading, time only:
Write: 5:04
